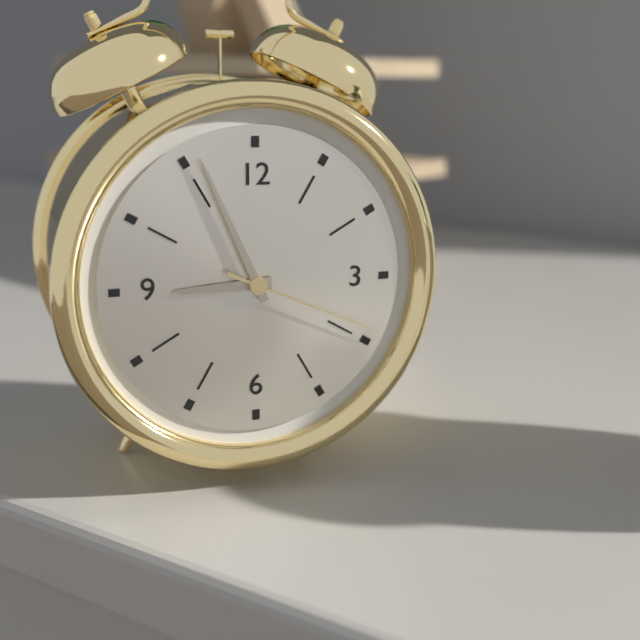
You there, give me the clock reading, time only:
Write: 8:56:19
